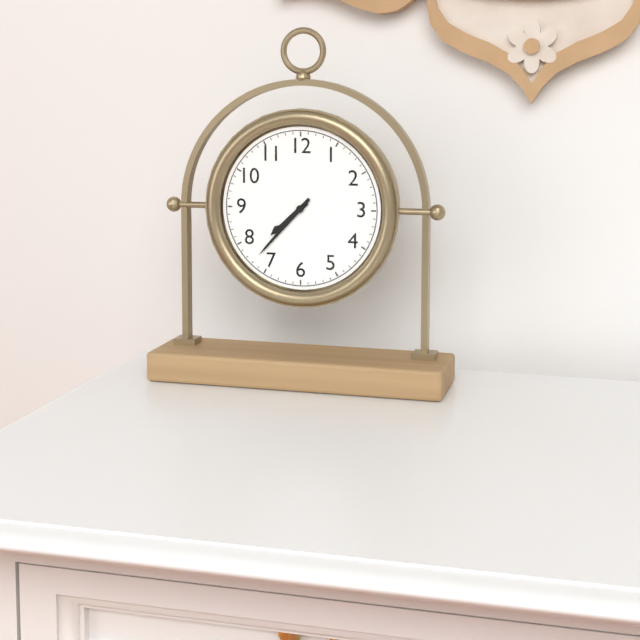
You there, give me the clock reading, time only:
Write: 7:37
